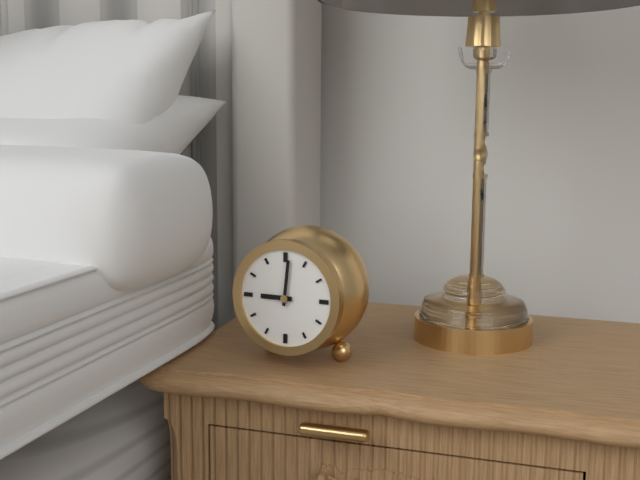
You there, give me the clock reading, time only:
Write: 9:01
